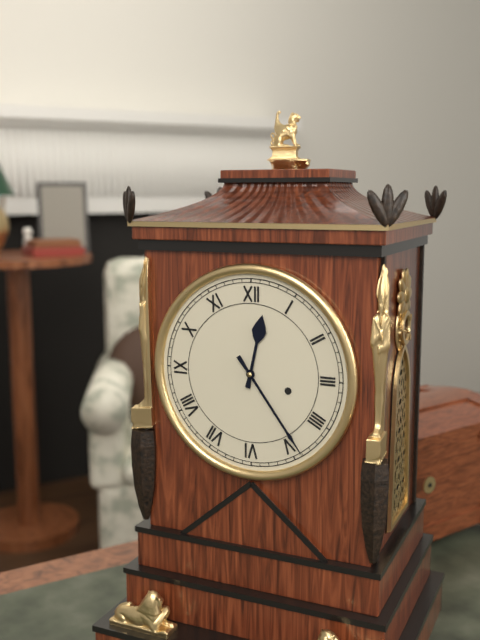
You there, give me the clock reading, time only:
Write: 12:24
